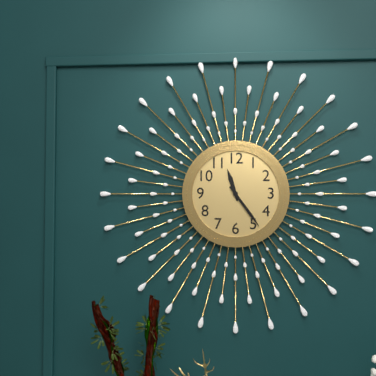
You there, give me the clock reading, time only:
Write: 11:24
